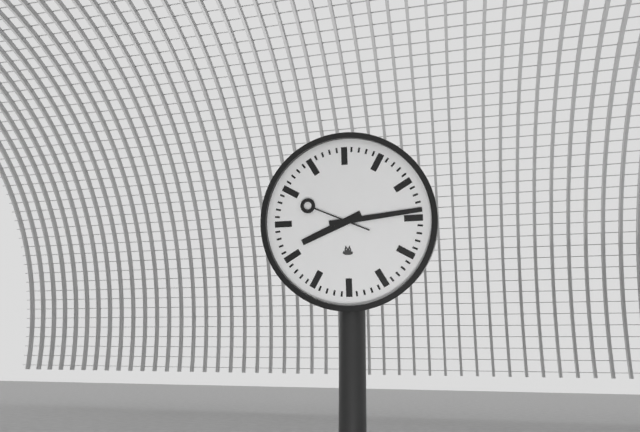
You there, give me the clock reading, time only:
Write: 8:14:49
